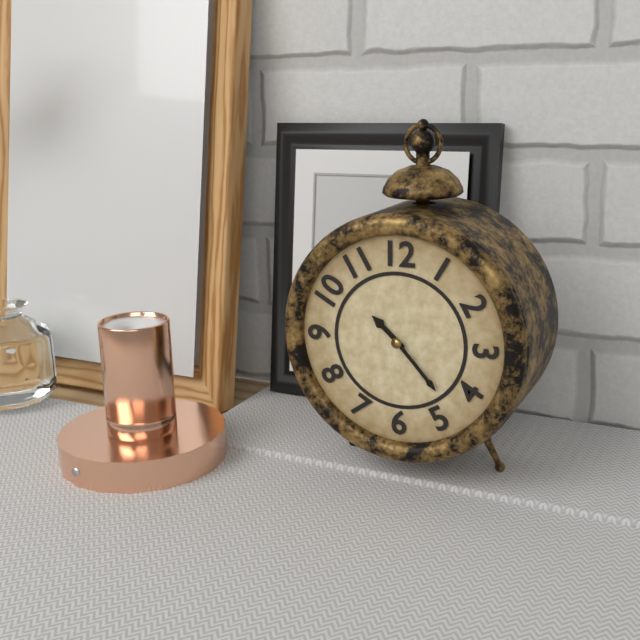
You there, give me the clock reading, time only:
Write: 10:23
